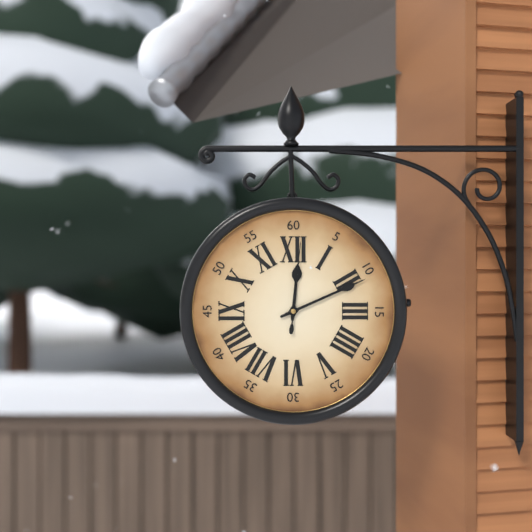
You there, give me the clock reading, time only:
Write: 12:11:01
